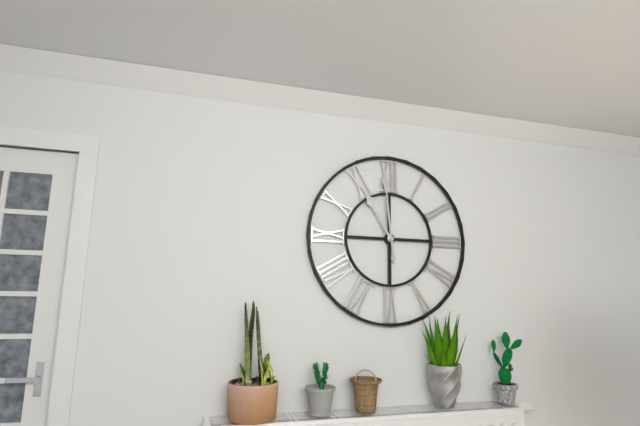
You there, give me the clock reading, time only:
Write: 10:59
